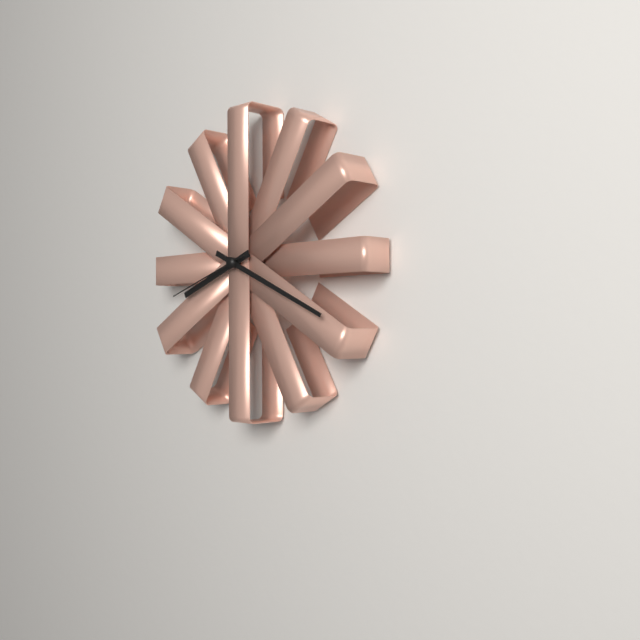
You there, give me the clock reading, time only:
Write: 8:19:42
